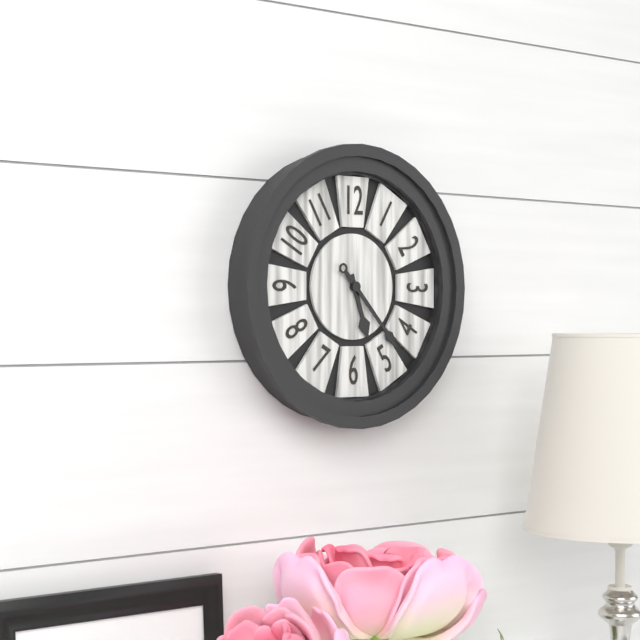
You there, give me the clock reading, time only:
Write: 5:23
